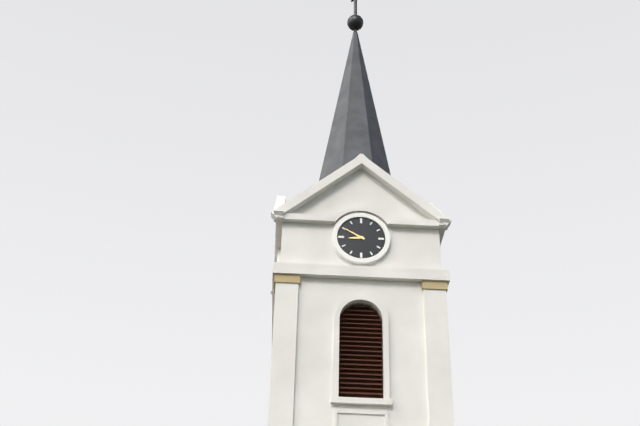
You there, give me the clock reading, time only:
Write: 8:50
